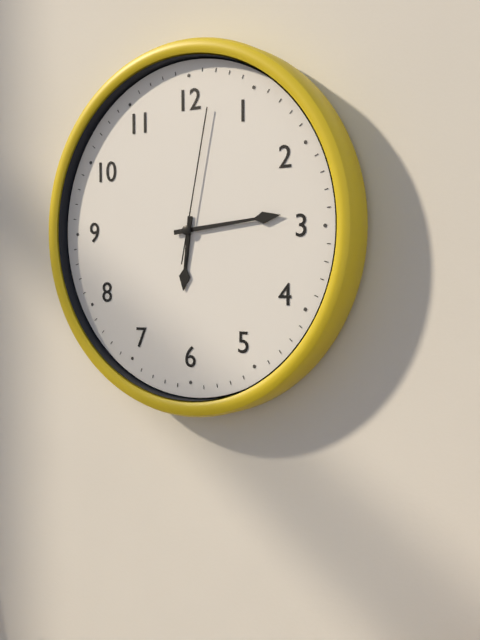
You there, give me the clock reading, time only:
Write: 6:14:02
